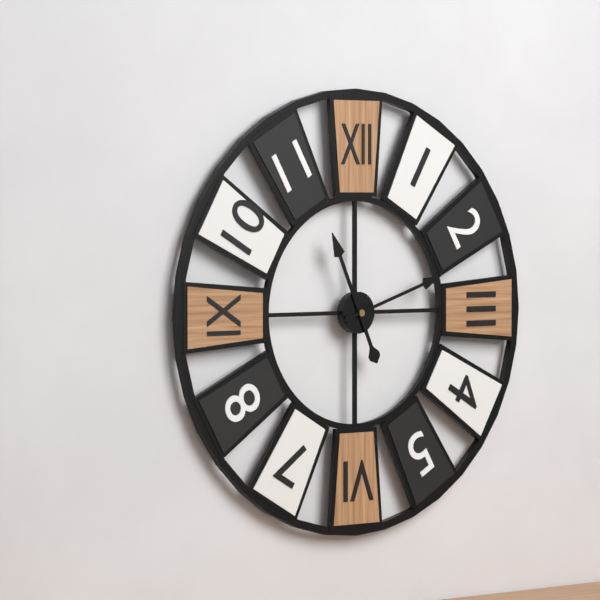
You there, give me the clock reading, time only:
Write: 11:12
